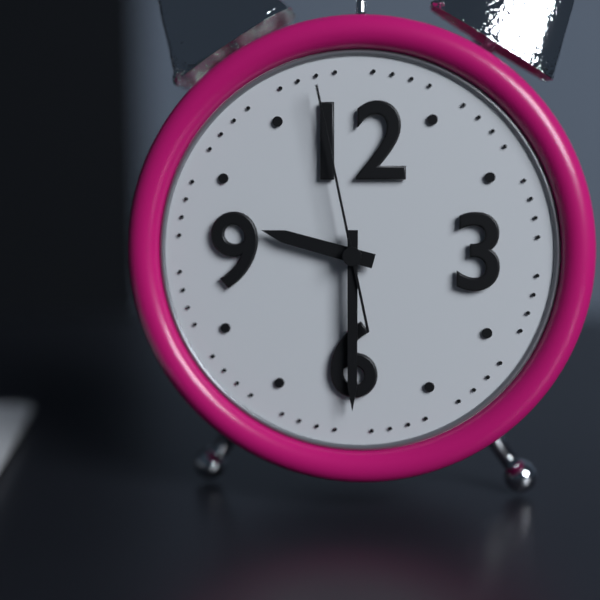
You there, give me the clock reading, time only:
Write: 9:30:58
